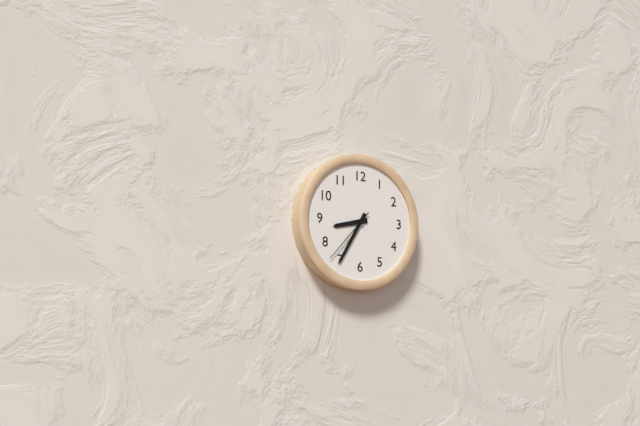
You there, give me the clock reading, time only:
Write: 8:35:37
